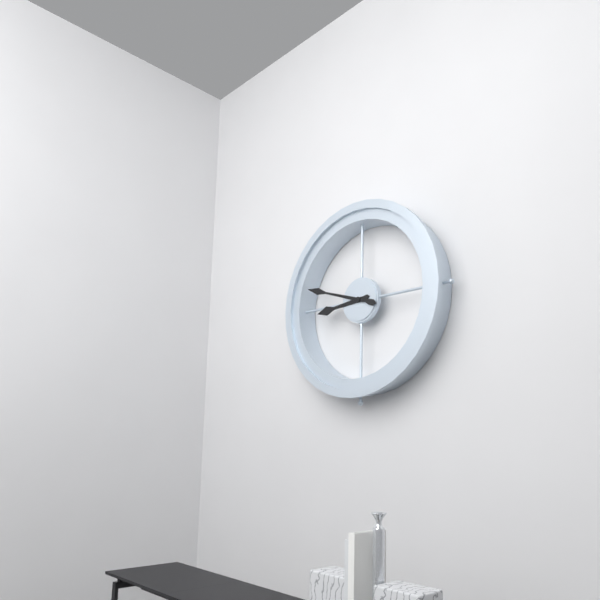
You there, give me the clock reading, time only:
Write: 8:48
